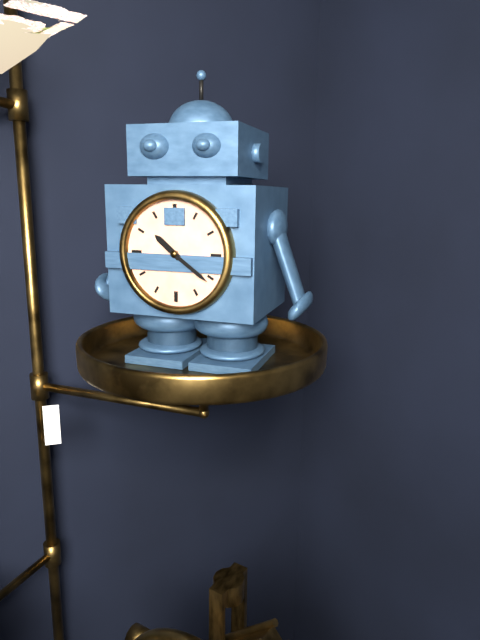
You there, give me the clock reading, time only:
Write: 10:21
